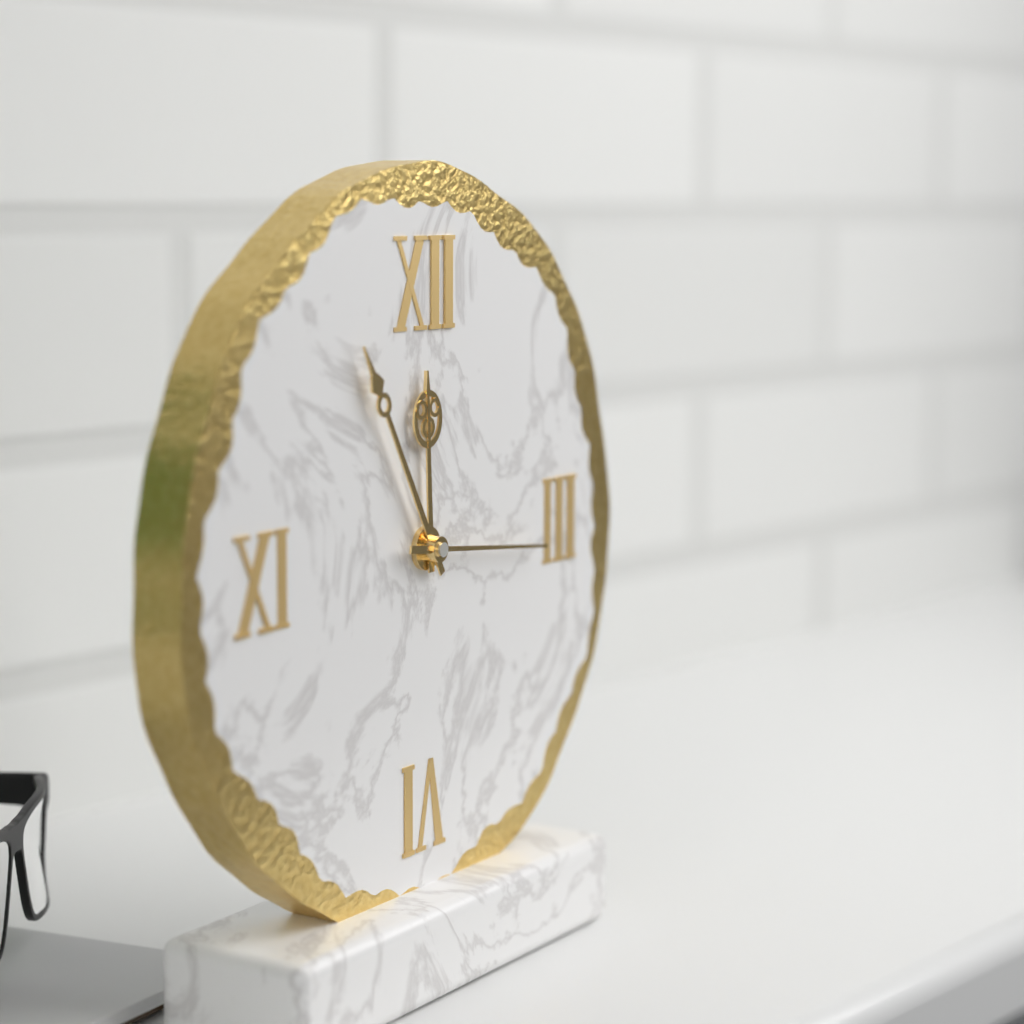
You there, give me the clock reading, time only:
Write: 11:55:16
